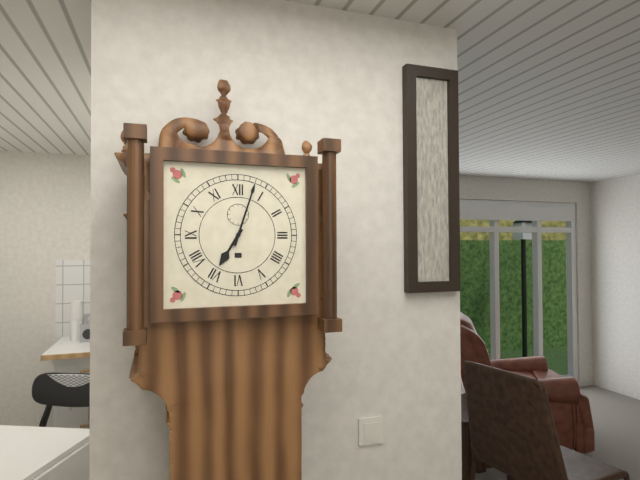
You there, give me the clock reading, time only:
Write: 7:03
